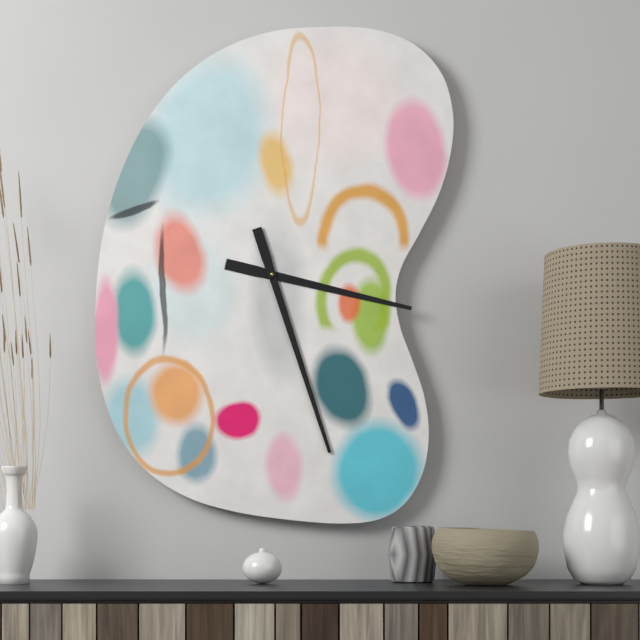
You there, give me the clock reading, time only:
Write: 3:27
